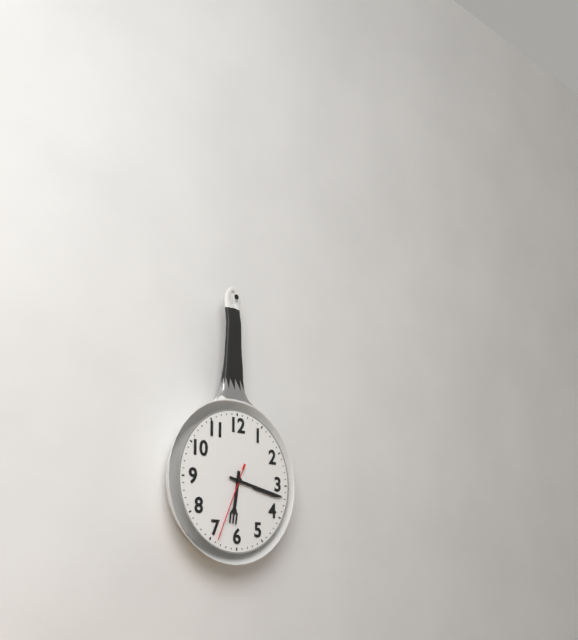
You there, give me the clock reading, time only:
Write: 6:17:34
